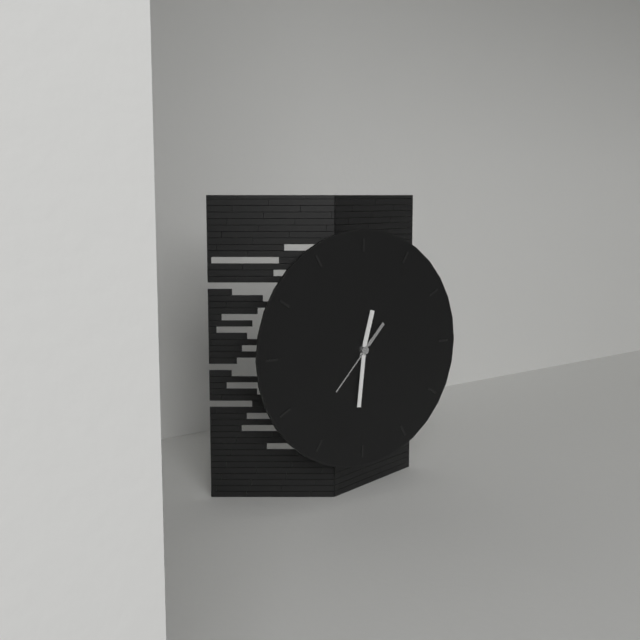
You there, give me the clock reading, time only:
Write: 12:31:37
